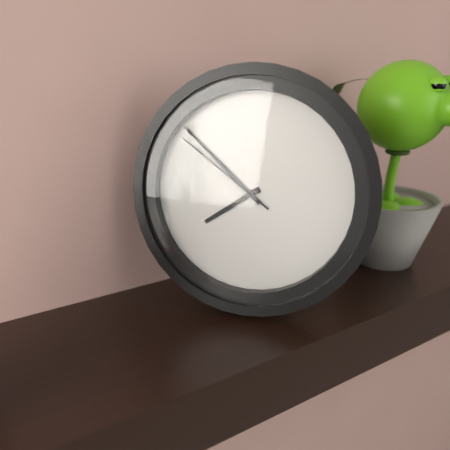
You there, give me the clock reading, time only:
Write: 7:52:51
